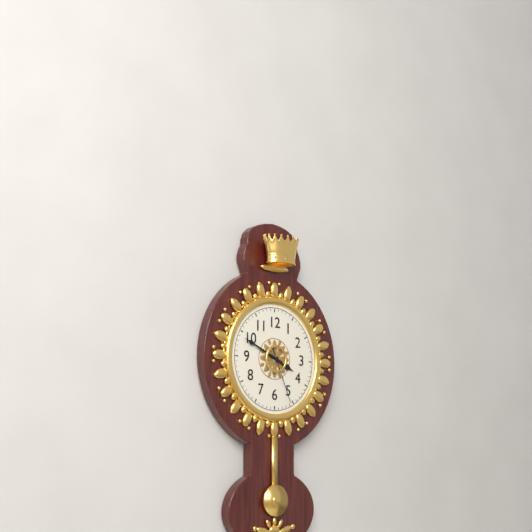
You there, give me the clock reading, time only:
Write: 3:49:26
